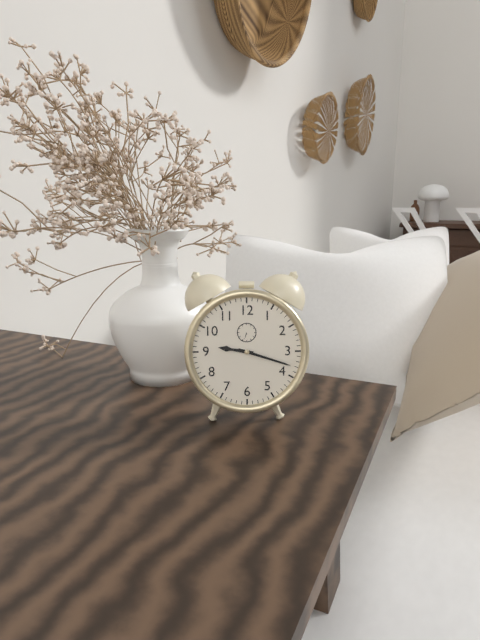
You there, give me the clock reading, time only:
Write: 9:18
